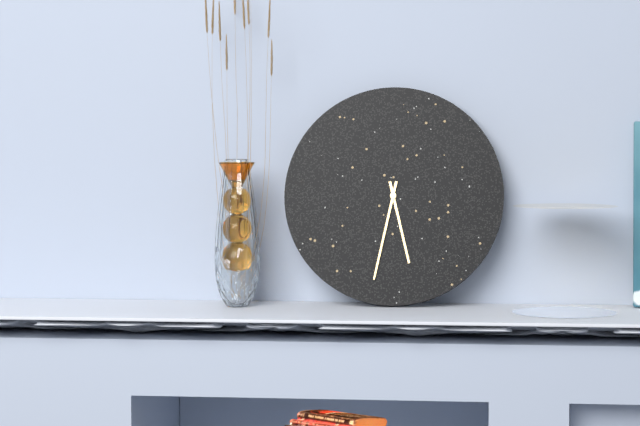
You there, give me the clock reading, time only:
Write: 5:32
